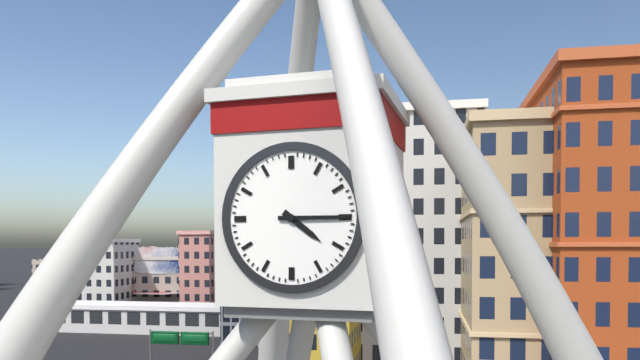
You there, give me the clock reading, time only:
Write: 4:15
